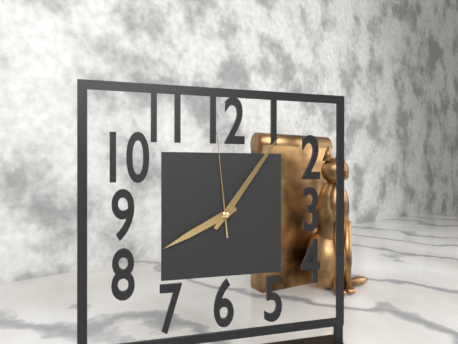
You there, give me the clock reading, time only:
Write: 8:06:59
